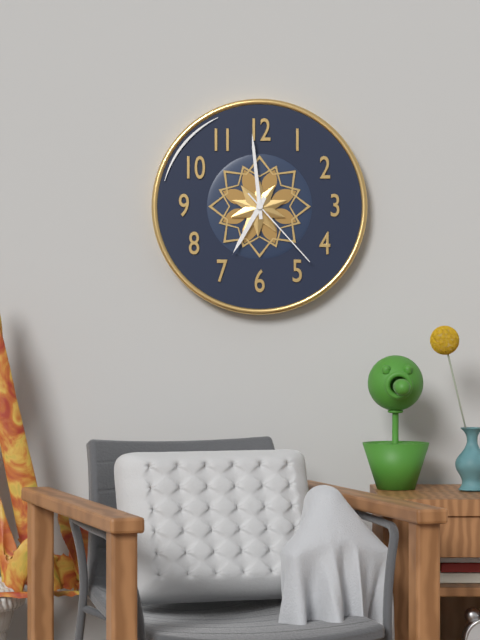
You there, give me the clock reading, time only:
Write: 6:59:23
